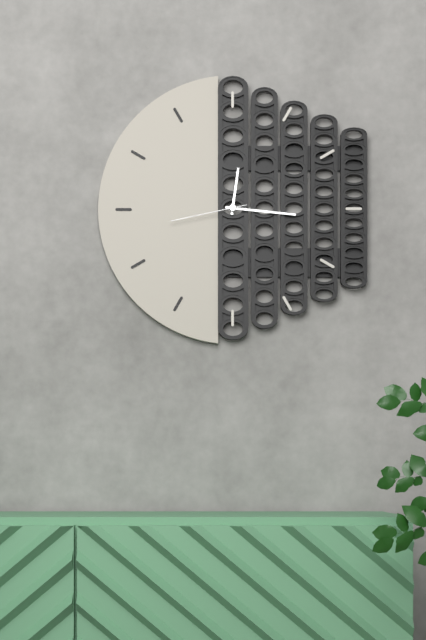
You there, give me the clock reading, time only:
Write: 12:16:43
